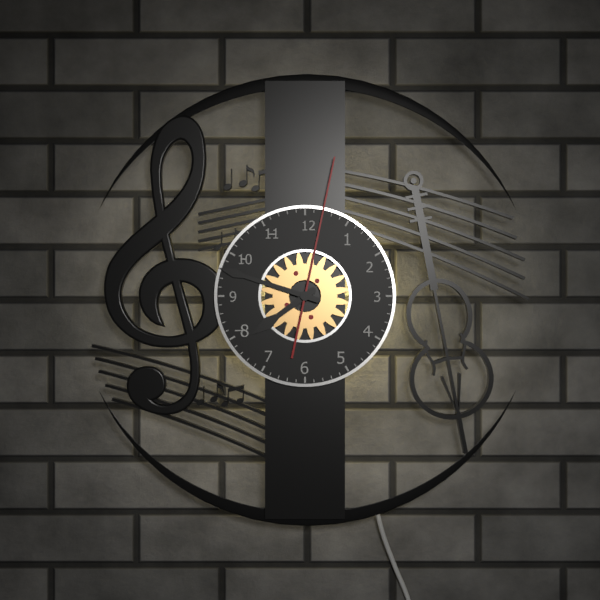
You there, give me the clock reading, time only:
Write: 7:48:02
